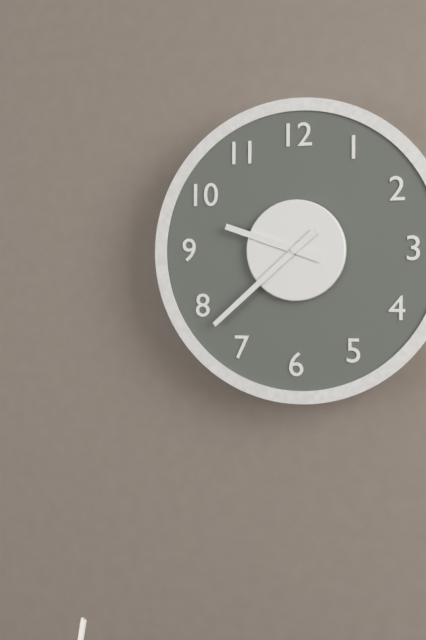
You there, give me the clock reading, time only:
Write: 9:38
